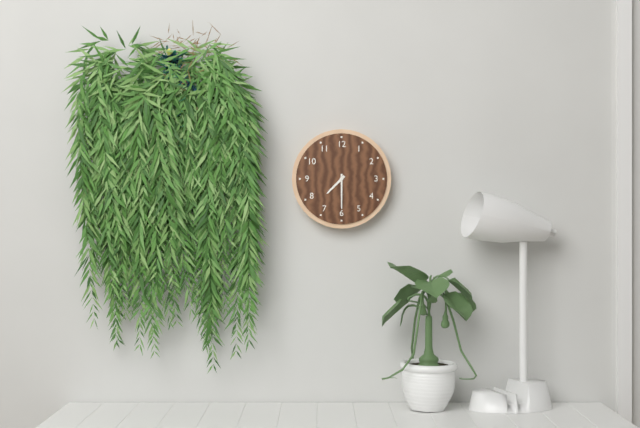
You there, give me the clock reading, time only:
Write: 7:30
